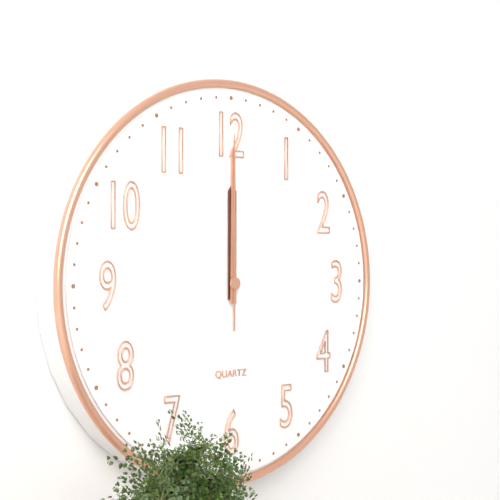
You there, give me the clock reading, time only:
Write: 12:00:00
